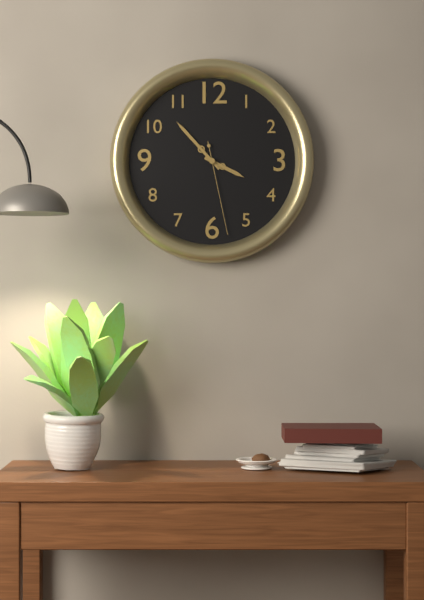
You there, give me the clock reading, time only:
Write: 3:53:28
